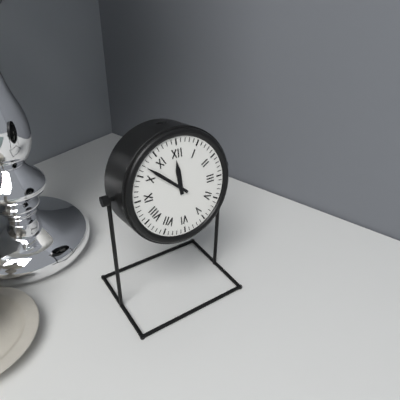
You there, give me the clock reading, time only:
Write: 11:52
